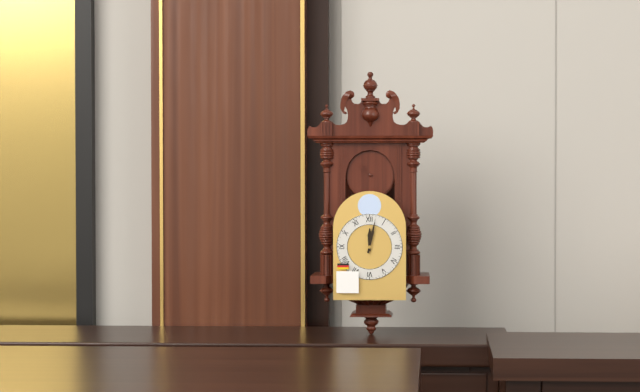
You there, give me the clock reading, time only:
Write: 12:02
